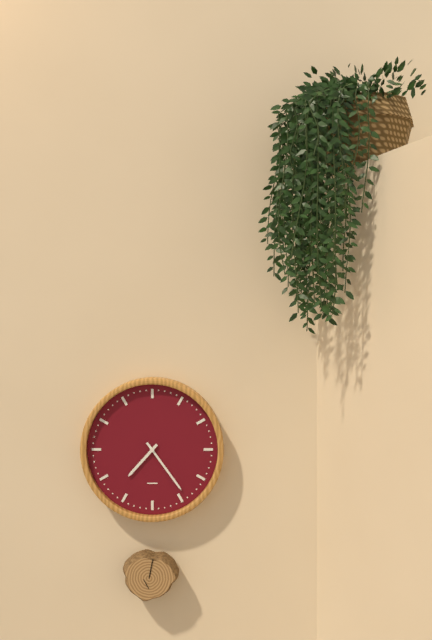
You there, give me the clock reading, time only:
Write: 7:24
